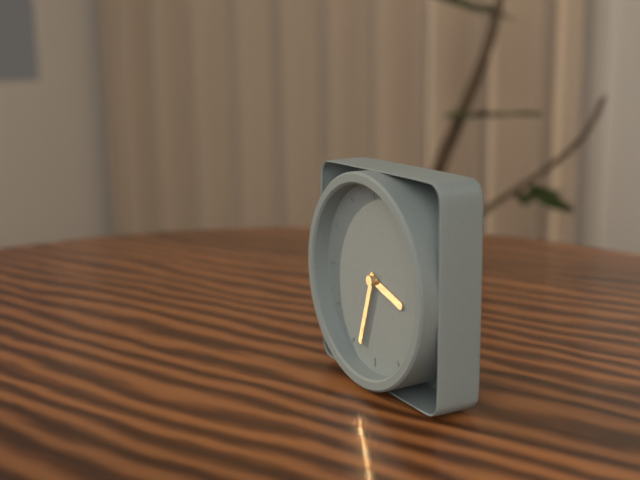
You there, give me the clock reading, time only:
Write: 3:33
